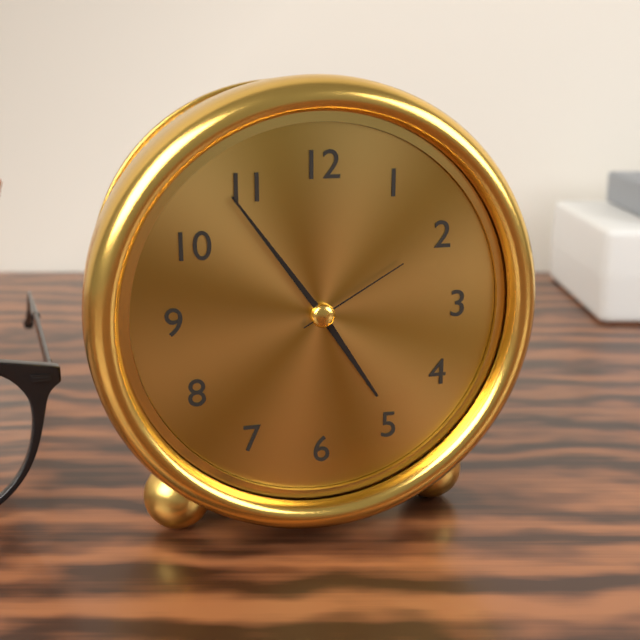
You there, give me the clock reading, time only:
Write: 4:54:10
